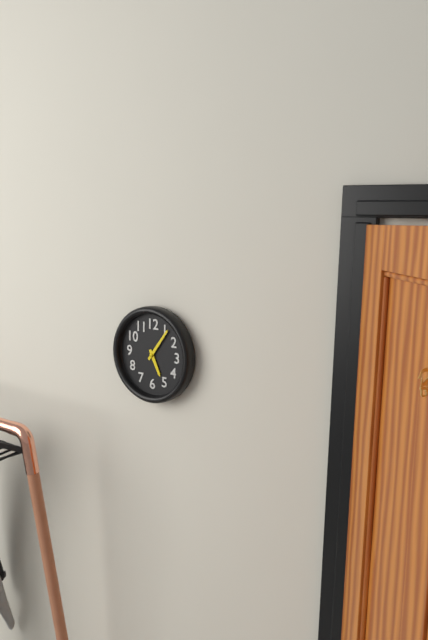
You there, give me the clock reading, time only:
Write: 5:06
